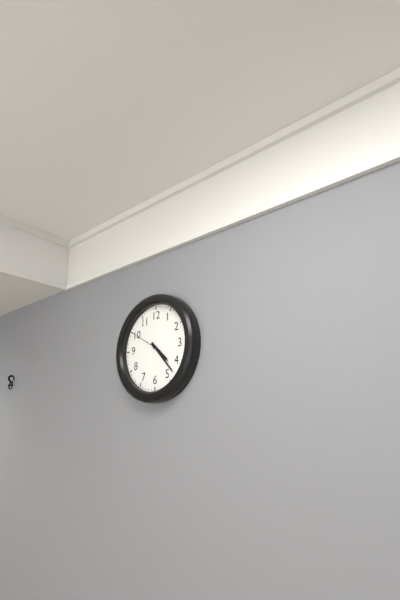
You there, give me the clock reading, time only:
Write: 4:23
